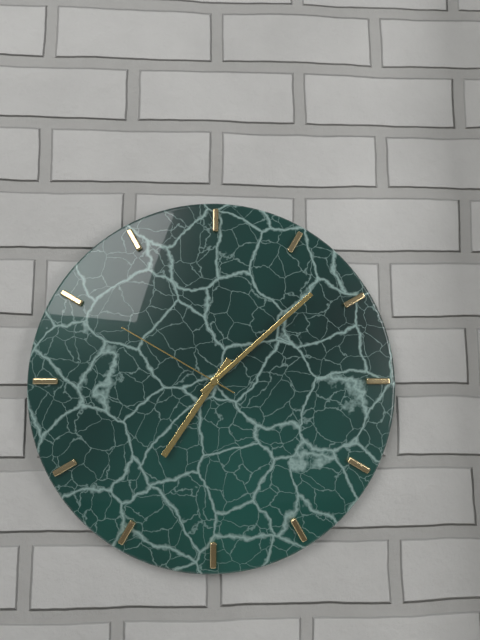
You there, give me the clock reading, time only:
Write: 7:08:50
